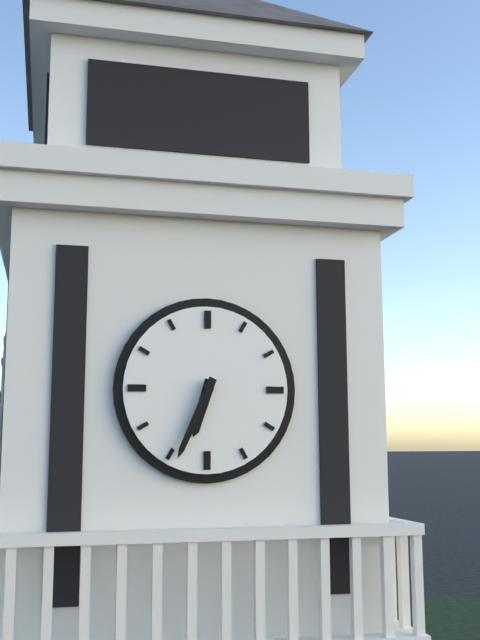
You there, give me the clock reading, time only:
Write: 6:34
